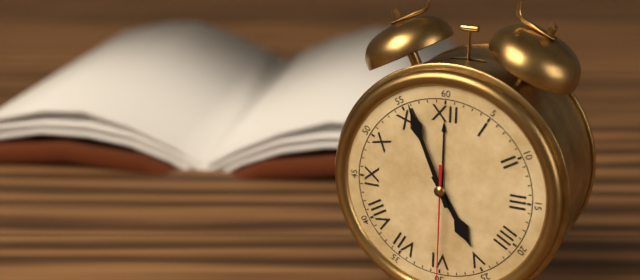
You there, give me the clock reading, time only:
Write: 4:56
